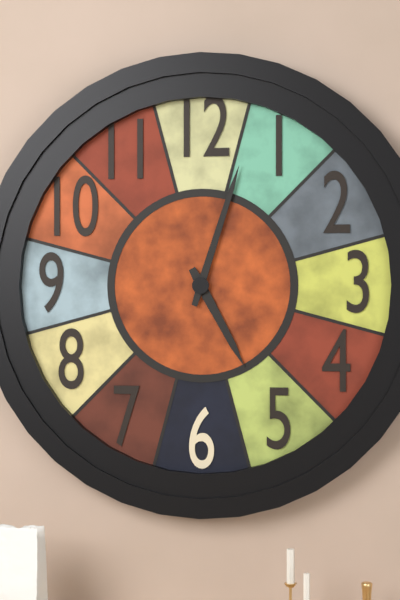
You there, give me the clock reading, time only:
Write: 5:03
